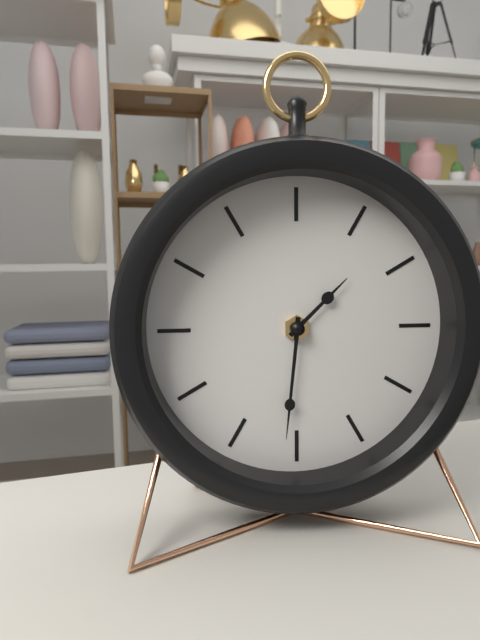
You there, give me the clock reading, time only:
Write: 1:31
